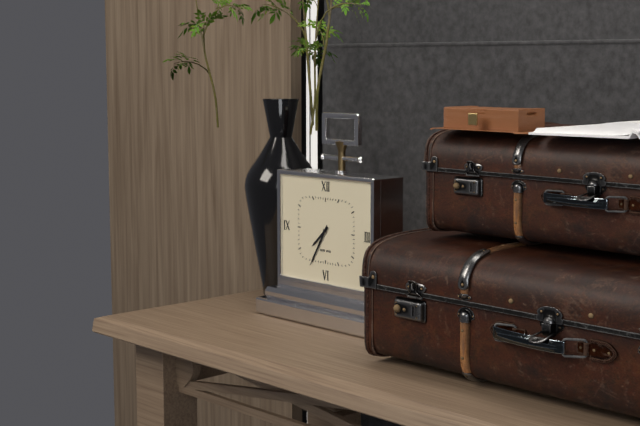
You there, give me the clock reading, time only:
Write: 7:35
